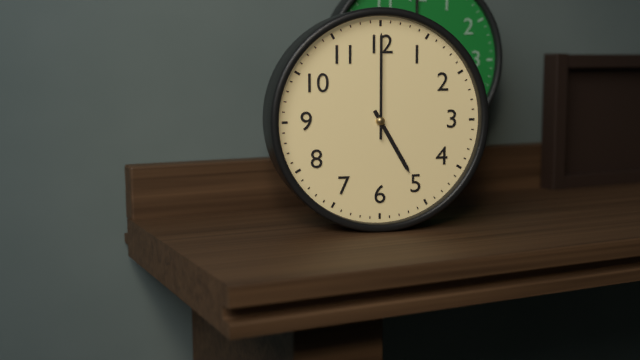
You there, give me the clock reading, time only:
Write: 5:00
